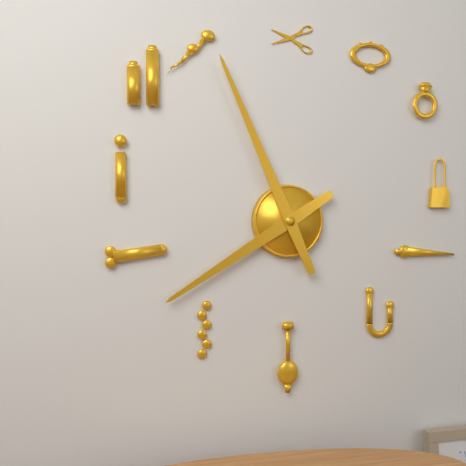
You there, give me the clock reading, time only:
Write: 7:56
